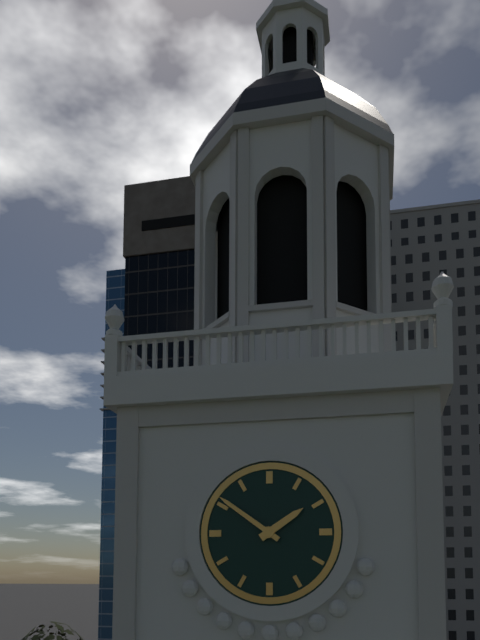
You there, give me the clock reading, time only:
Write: 1:51
